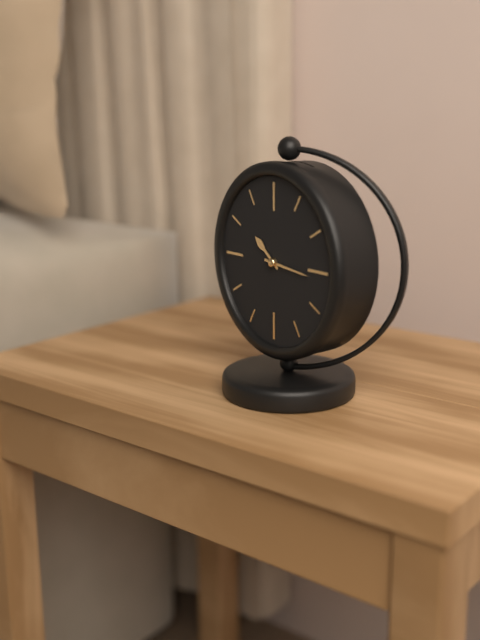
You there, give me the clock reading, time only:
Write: 10:16
